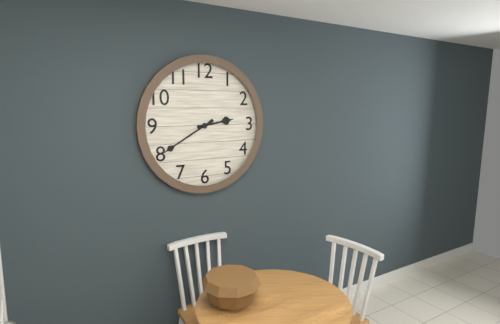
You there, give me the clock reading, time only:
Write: 2:40
